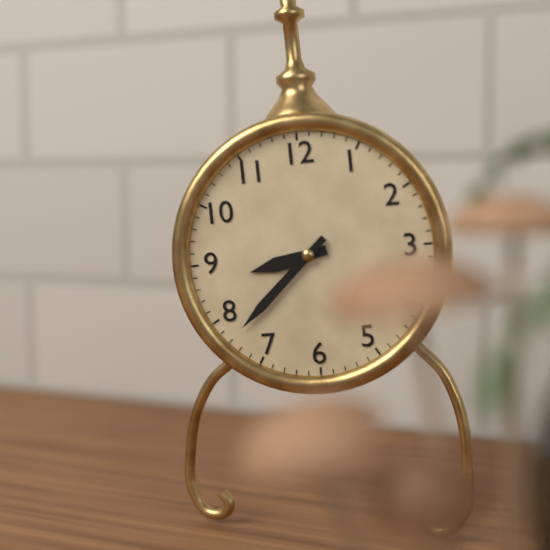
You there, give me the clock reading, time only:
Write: 8:38
